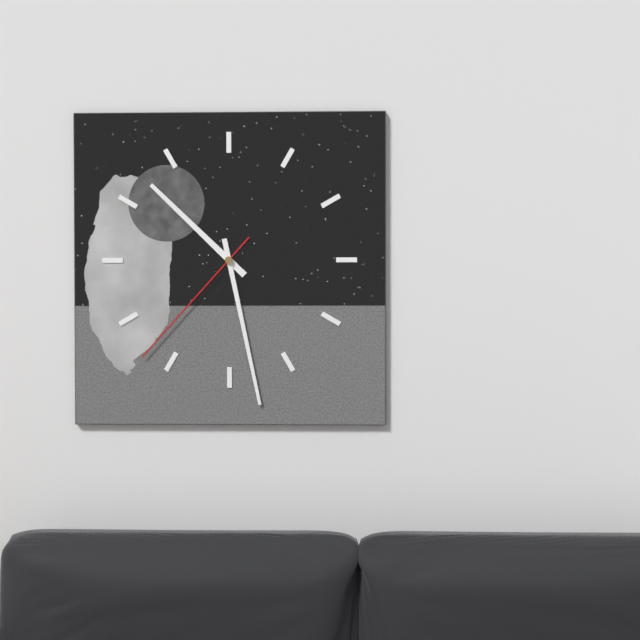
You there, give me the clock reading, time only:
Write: 10:28:37
